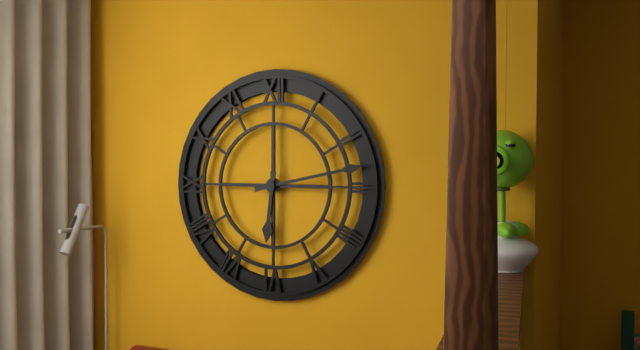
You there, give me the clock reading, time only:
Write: 6:13
